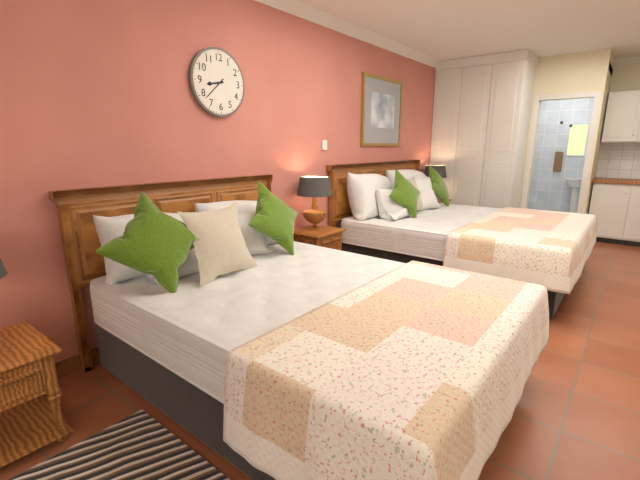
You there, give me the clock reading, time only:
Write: 8:38
